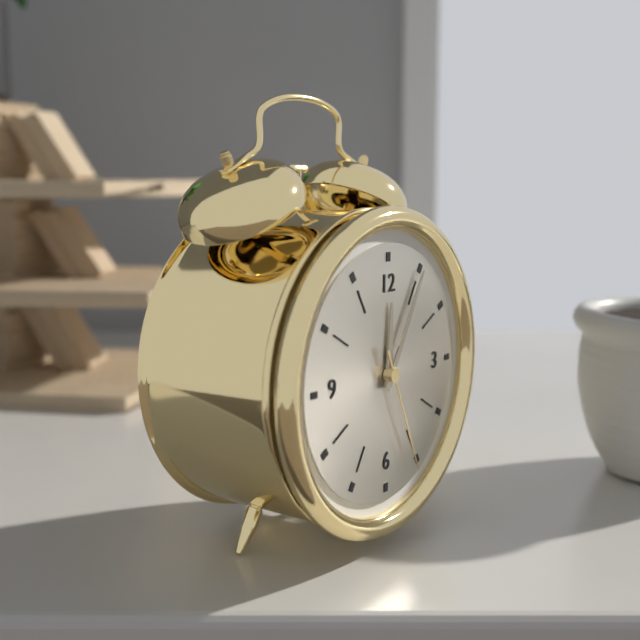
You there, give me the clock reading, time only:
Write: 12:05:26
